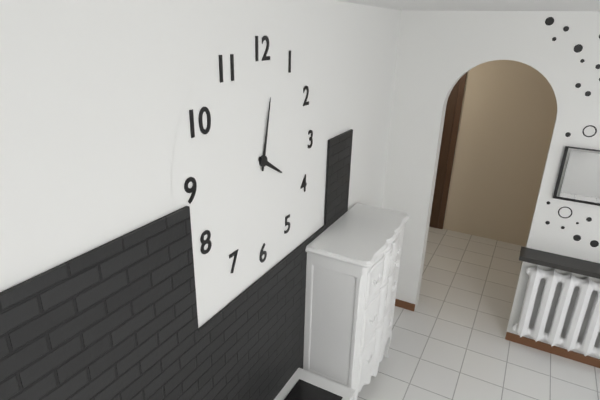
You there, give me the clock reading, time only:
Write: 4:02
